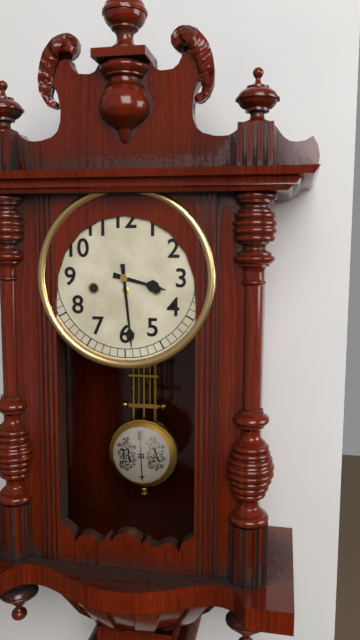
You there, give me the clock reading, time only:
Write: 3:29
